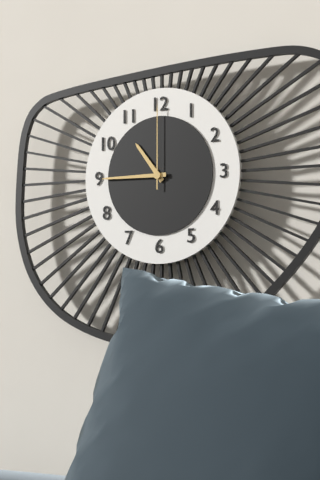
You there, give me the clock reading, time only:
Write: 10:45:00
